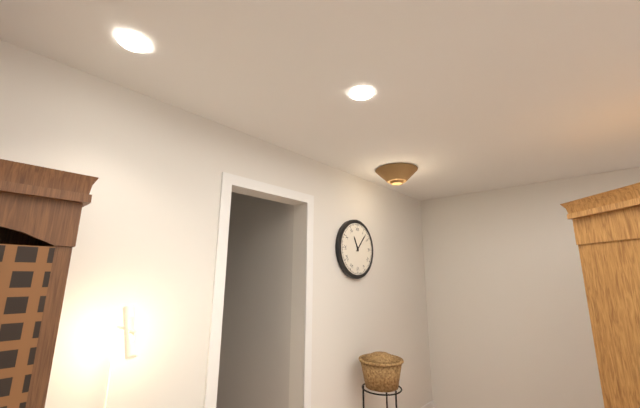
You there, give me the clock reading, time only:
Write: 11:07
